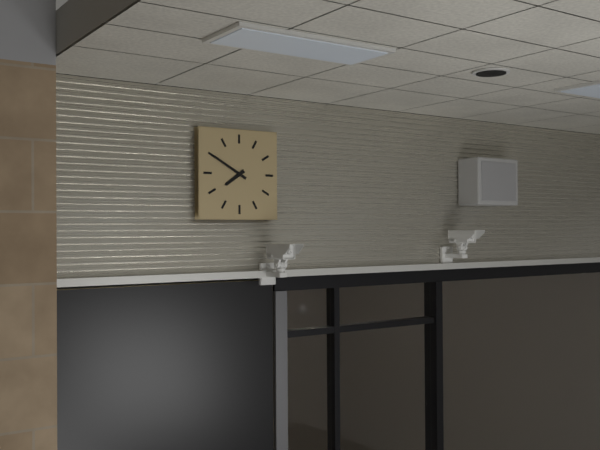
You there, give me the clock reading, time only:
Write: 7:50
